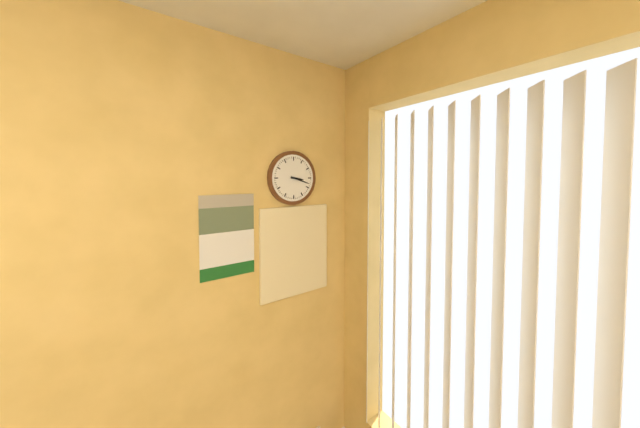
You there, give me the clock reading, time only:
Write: 3:18
